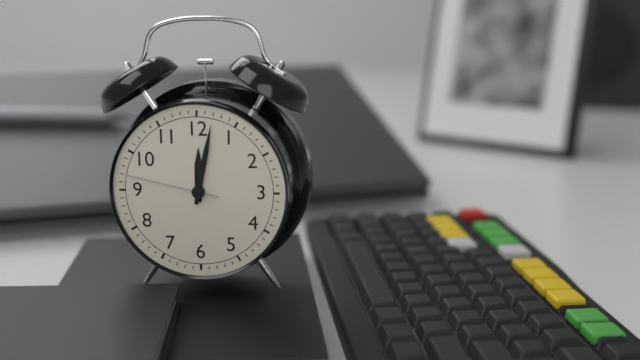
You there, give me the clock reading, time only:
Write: 12:02:47
